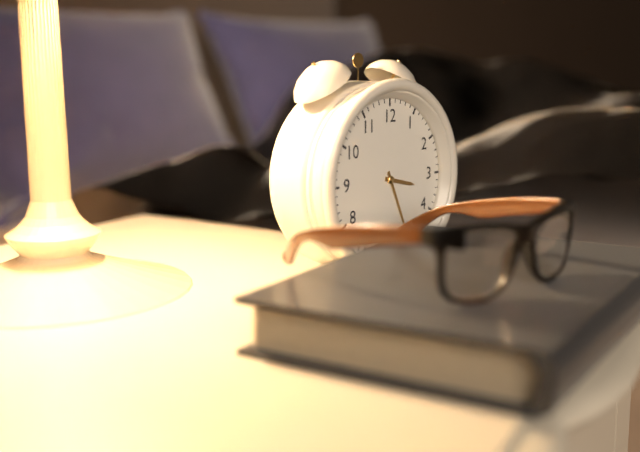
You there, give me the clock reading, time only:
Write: 3:26
